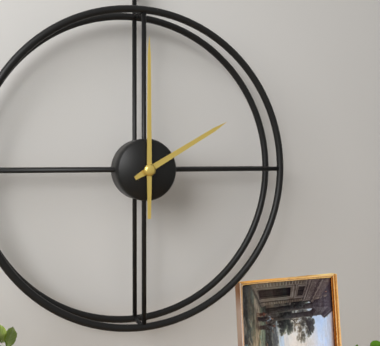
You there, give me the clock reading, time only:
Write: 2:00
